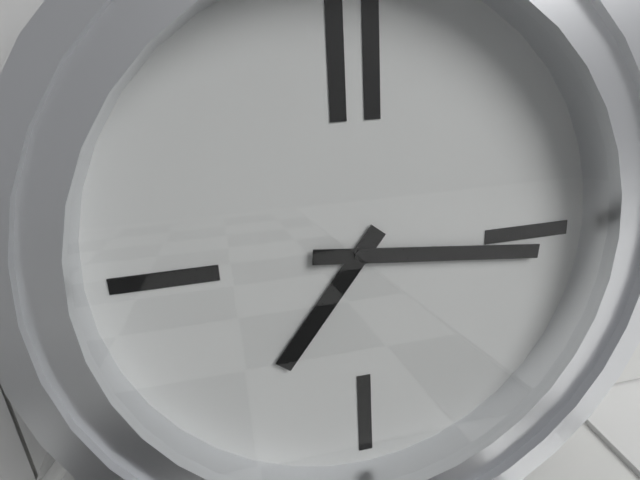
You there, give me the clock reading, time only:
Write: 7:16
